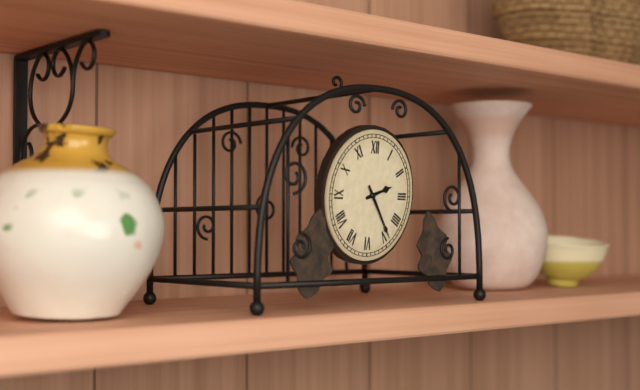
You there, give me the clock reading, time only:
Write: 2:24
